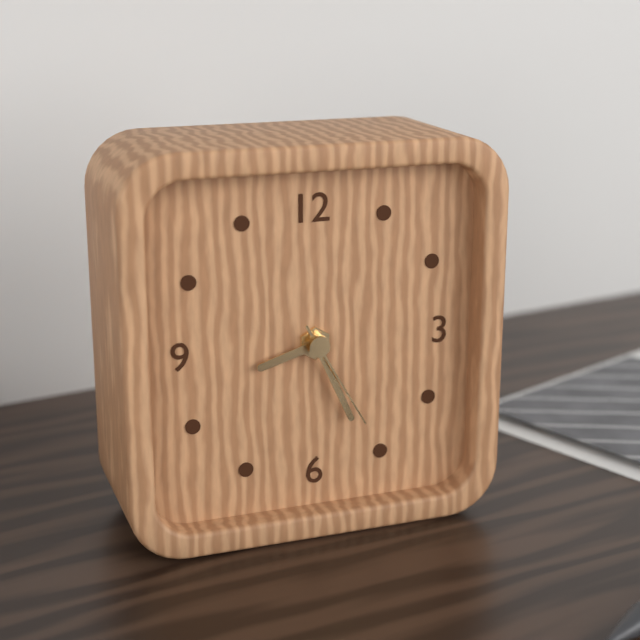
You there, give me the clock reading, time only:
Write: 8:26:25
